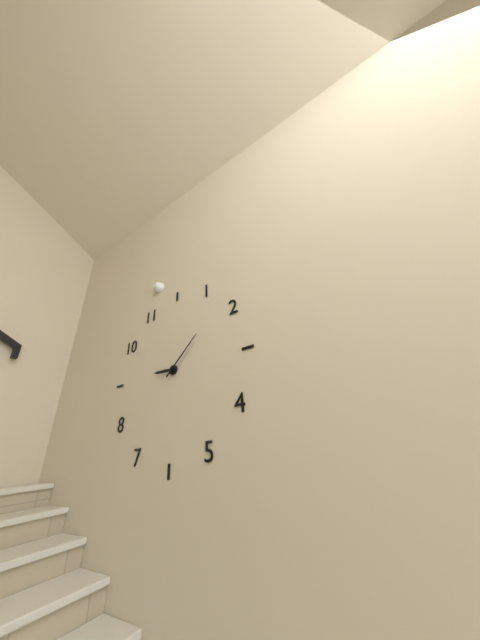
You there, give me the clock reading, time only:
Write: 9:08
